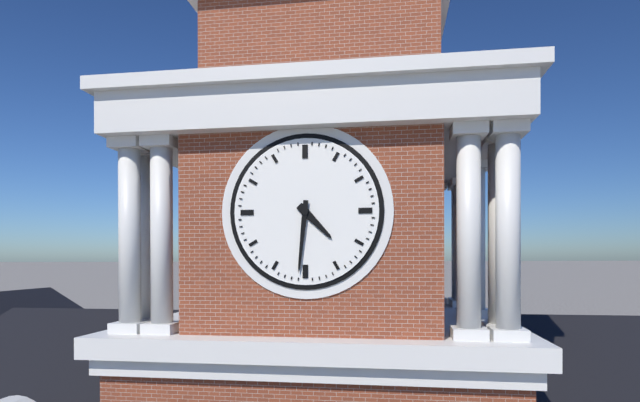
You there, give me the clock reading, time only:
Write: 4:31
